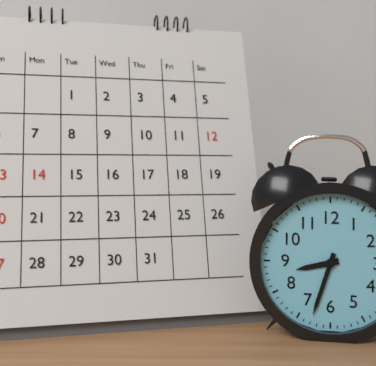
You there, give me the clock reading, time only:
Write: 8:33
